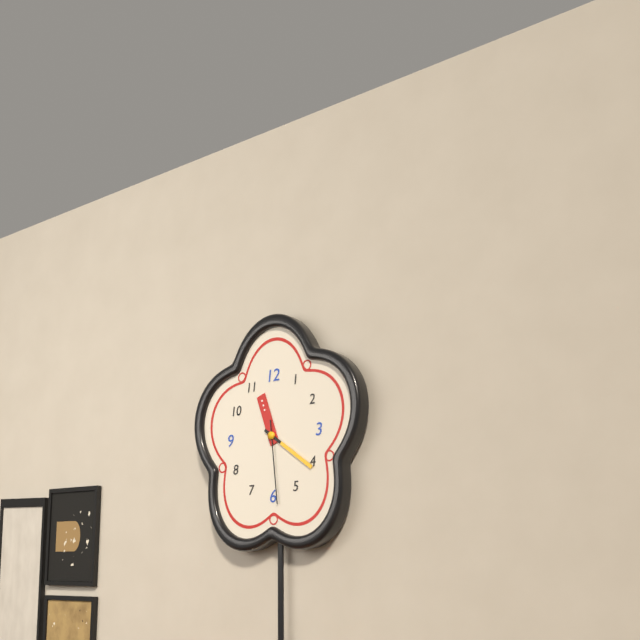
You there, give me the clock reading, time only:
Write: 11:21:29
